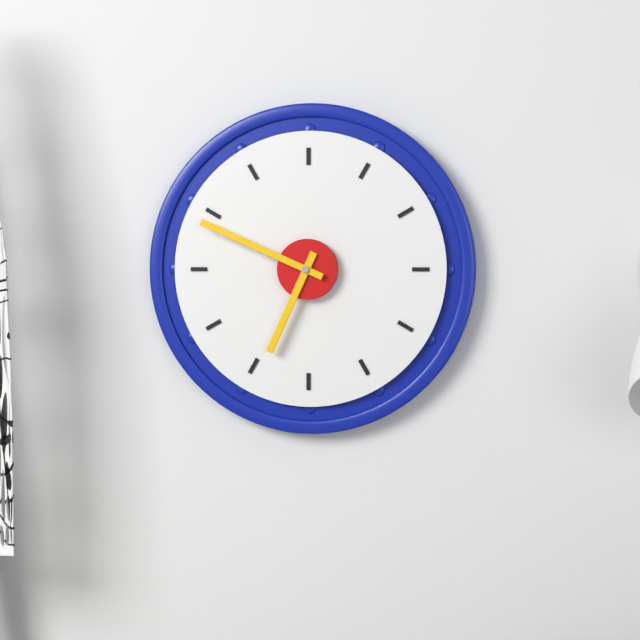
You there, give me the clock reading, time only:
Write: 6:49
